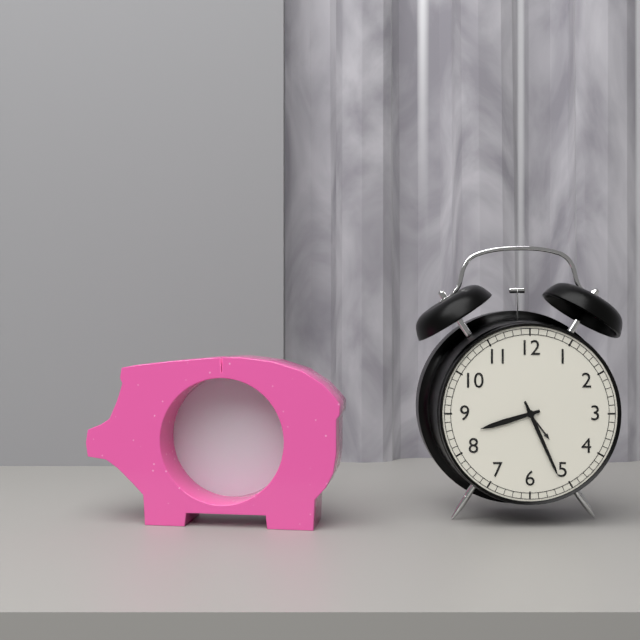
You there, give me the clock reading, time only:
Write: 8:26
